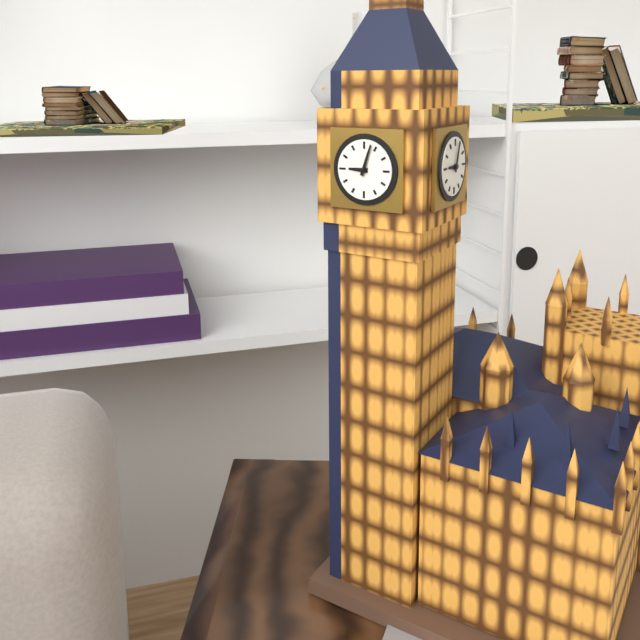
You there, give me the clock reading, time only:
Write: 9:03
